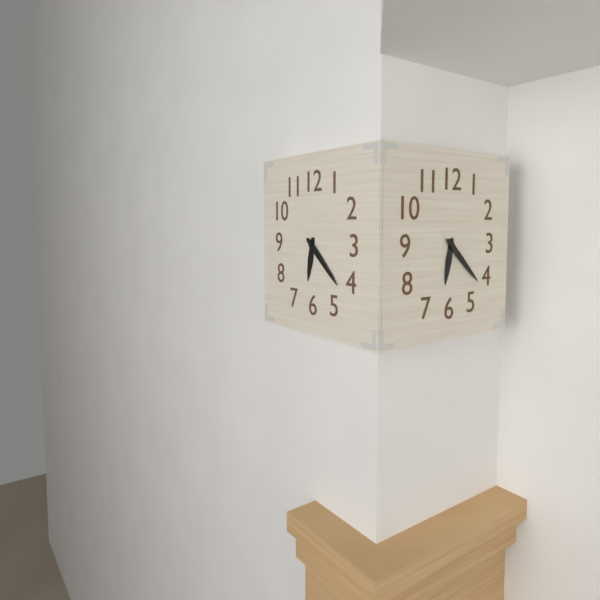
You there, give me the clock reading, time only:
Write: 6:22
